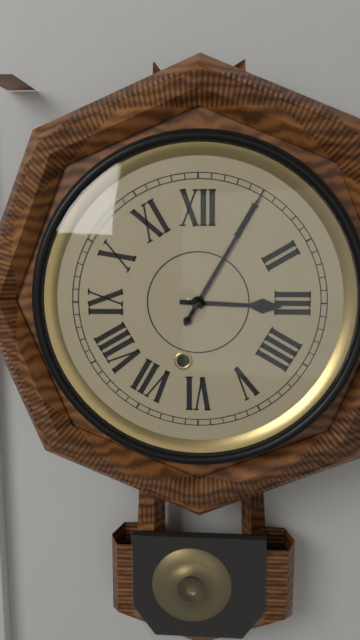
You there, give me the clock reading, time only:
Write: 3:05
